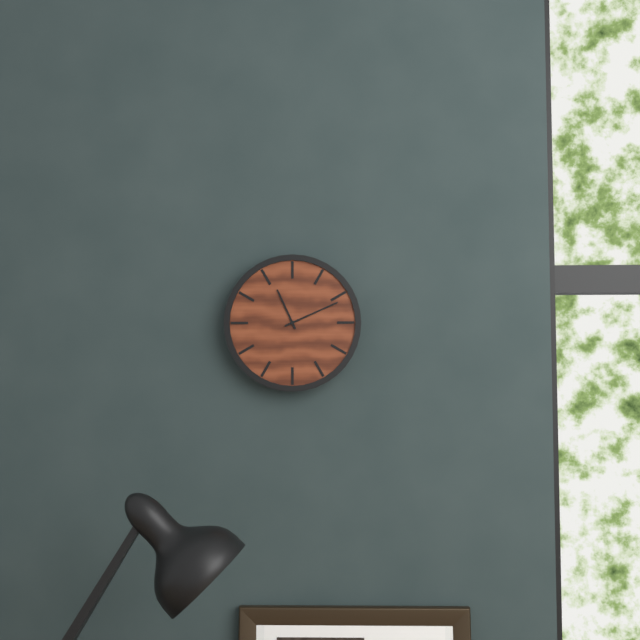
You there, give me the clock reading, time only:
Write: 11:11
